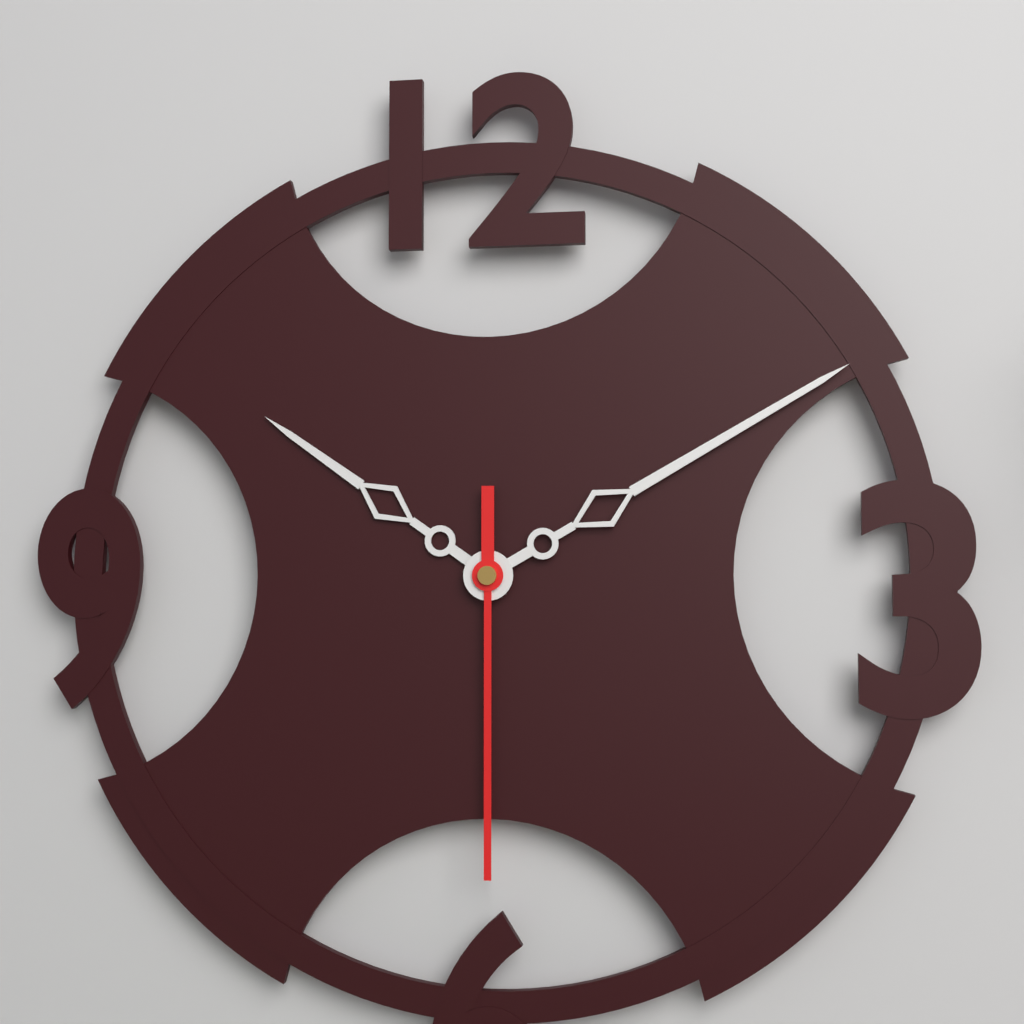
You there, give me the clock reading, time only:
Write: 10:10:30
